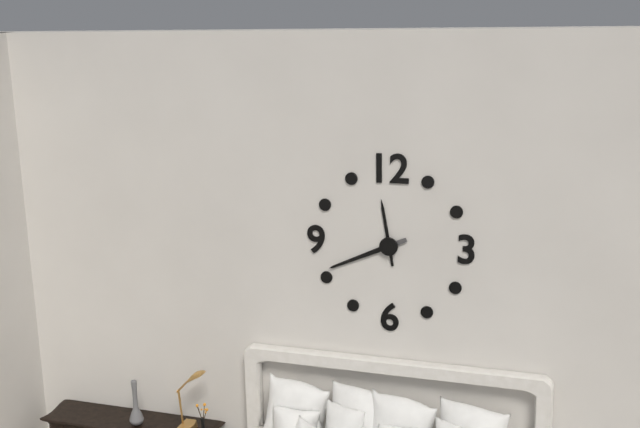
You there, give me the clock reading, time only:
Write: 11:41
